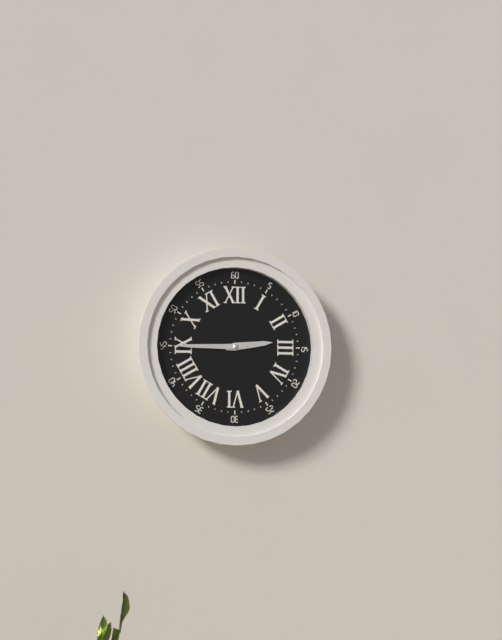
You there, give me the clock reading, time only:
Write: 2:45
